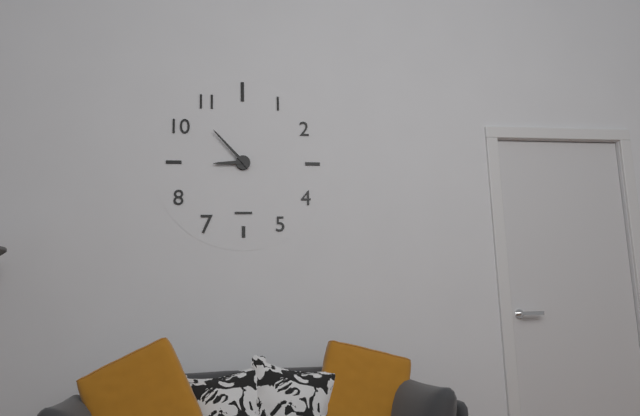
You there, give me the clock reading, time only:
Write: 8:53
